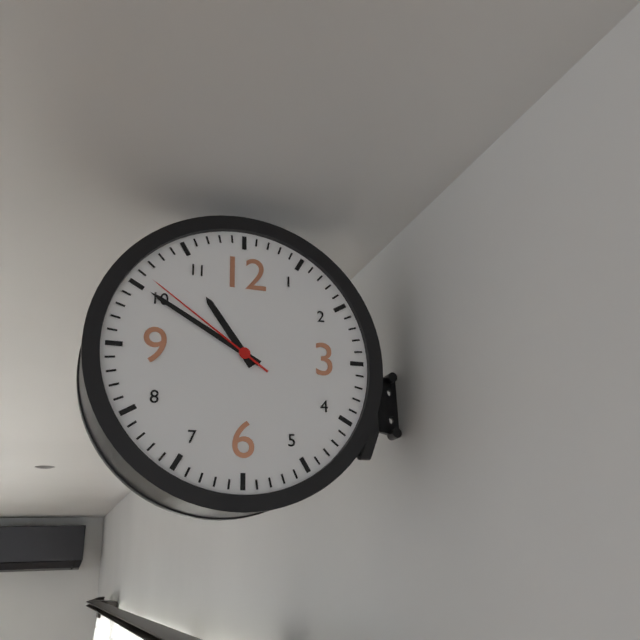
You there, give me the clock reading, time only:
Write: 10:50:51
